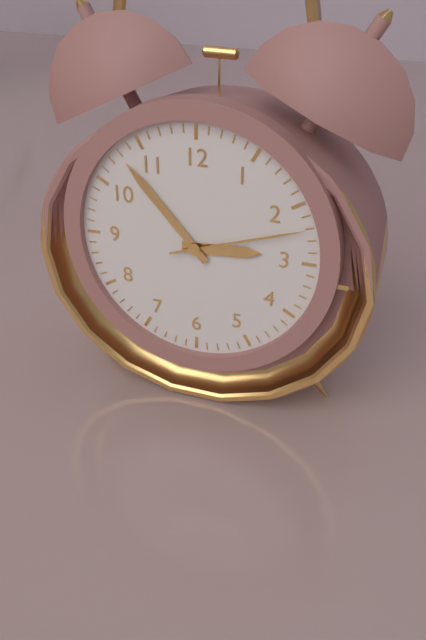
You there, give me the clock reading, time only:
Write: 2:53:12
